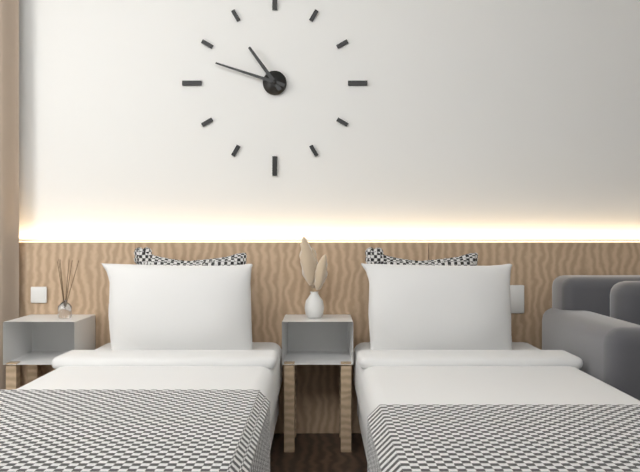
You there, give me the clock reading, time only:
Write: 10:48
